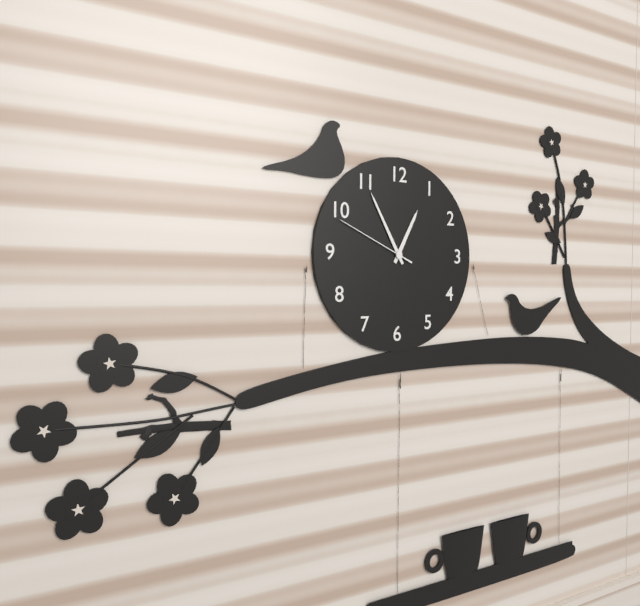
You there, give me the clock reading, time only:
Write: 12:55:49
